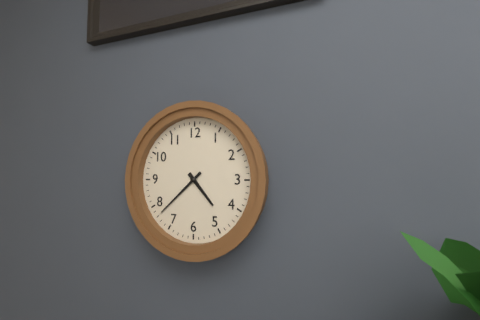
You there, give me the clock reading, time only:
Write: 4:38
